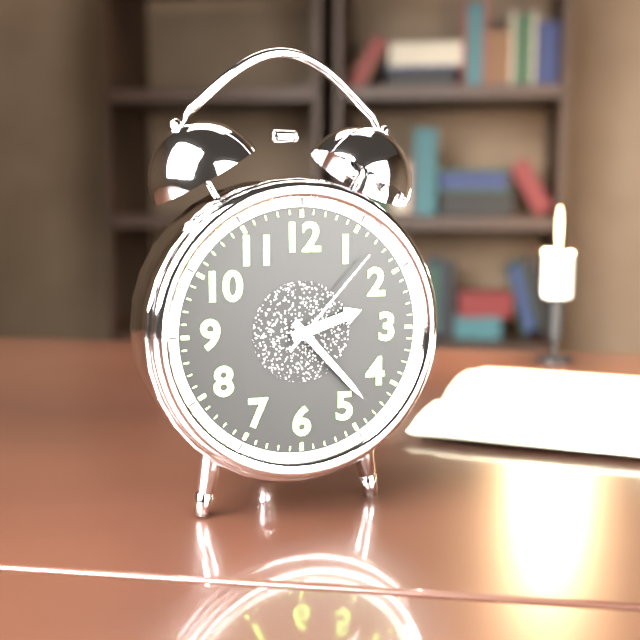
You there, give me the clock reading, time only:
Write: 2:23:07
